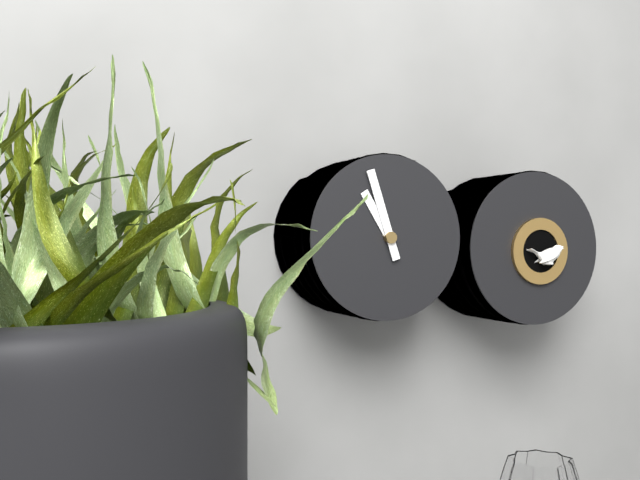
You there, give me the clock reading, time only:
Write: 10:57
